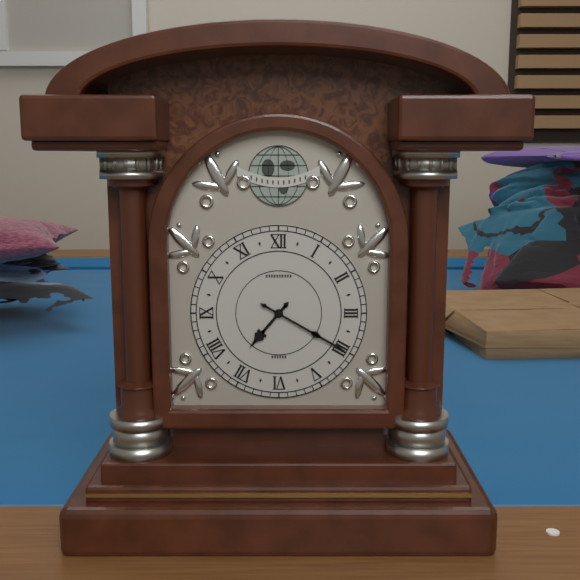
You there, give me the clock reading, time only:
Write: 7:20
